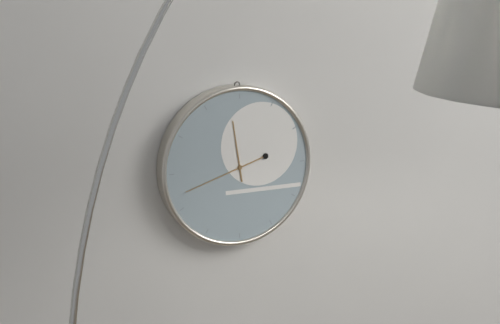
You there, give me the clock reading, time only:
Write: 11:42
